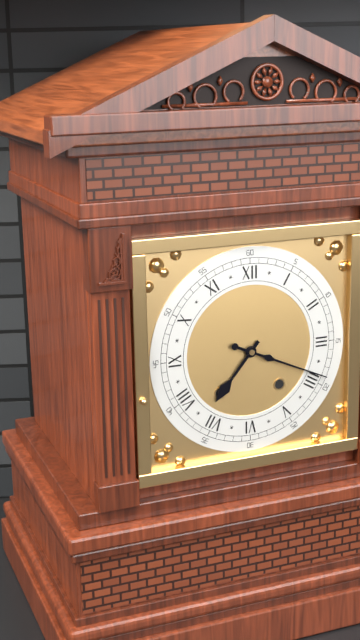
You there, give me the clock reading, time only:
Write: 7:19
